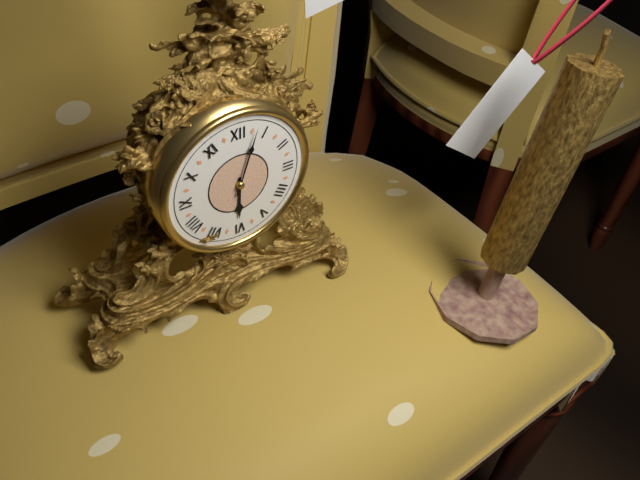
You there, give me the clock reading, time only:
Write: 6:03
